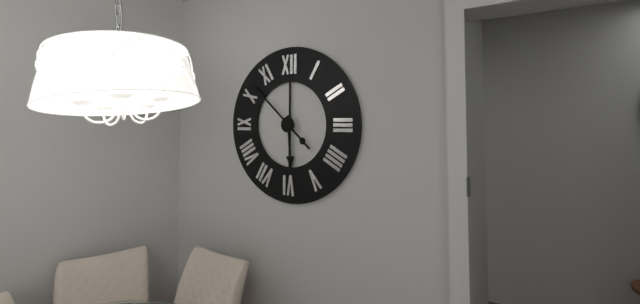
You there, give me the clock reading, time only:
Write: 5:52
